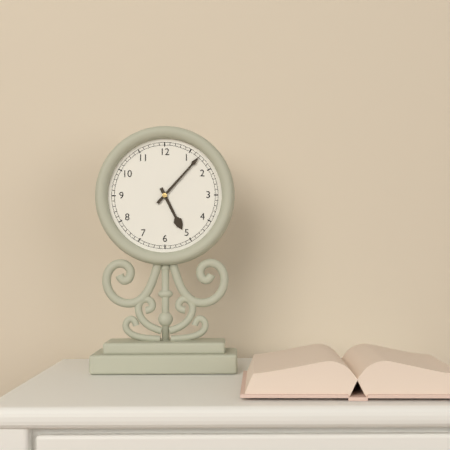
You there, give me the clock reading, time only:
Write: 5:07
